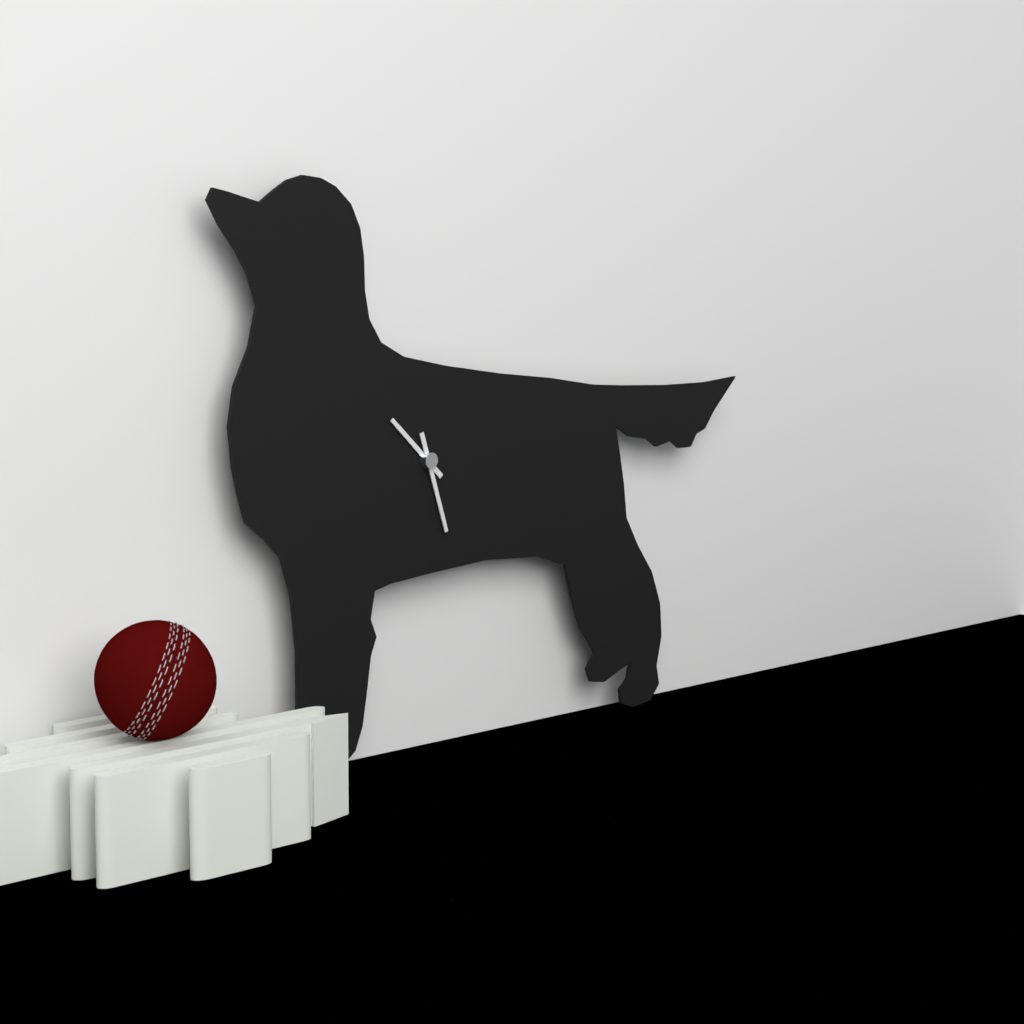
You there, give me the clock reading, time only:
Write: 10:27
